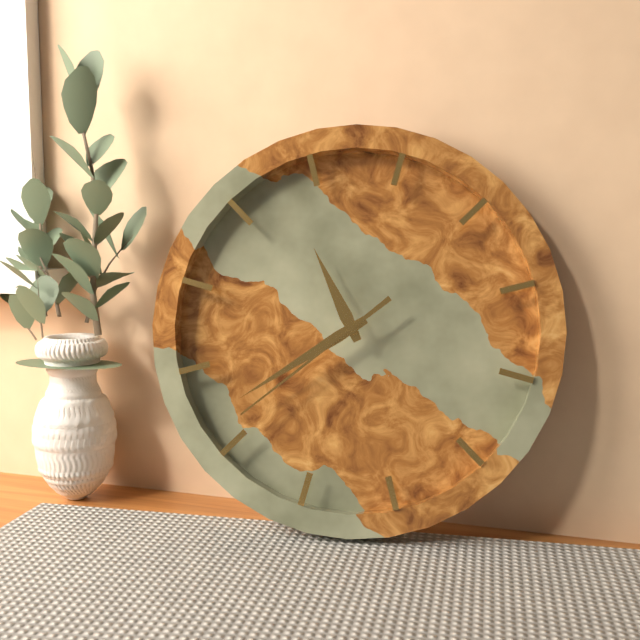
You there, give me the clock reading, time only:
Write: 10:37:36
